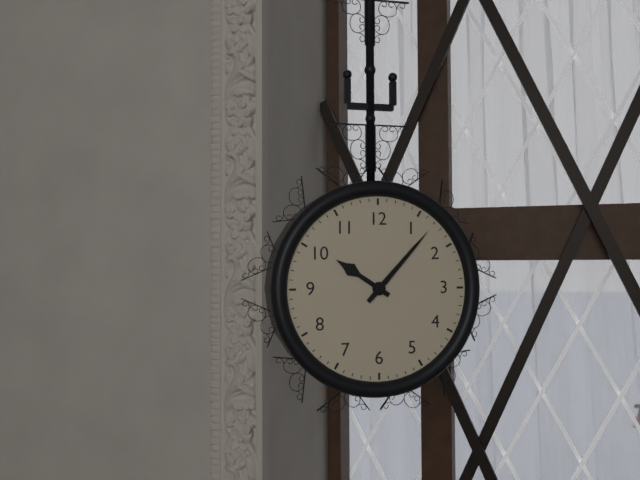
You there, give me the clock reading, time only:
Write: 10:07
